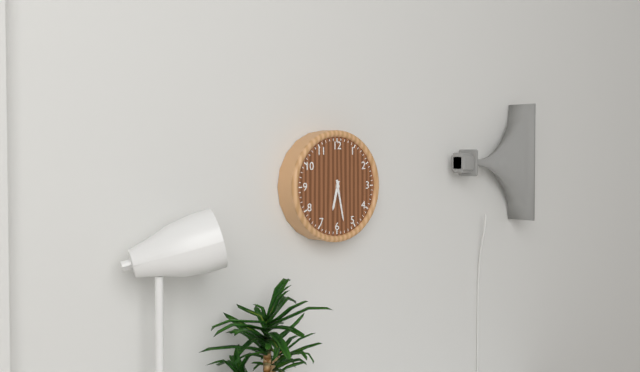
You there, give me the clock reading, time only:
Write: 6:28
